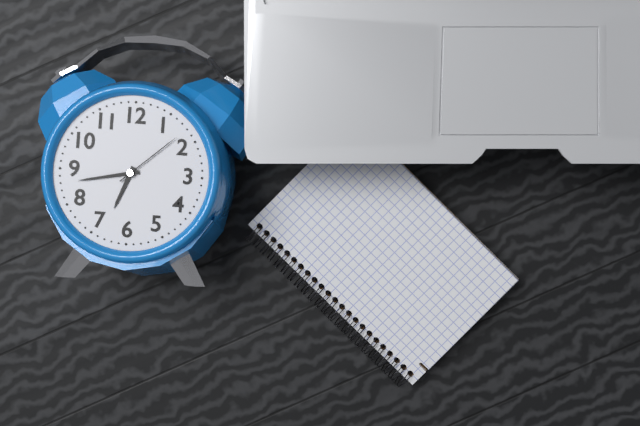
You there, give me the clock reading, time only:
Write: 6:43:08
